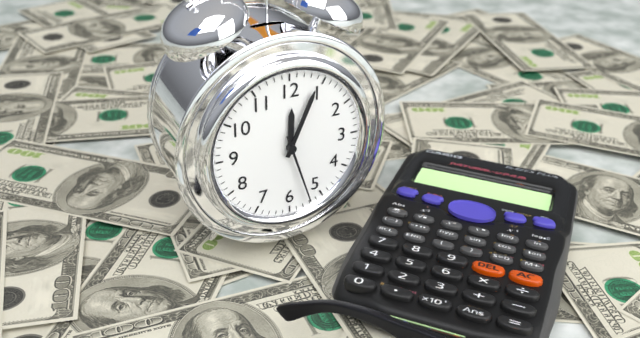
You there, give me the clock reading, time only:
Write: 12:04:27
